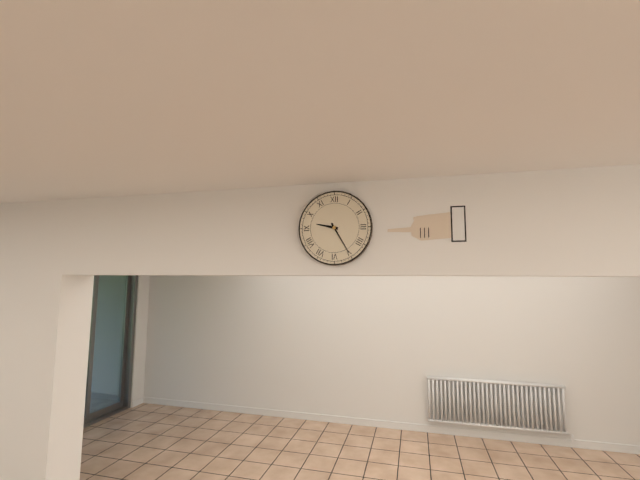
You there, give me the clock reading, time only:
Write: 9:25
